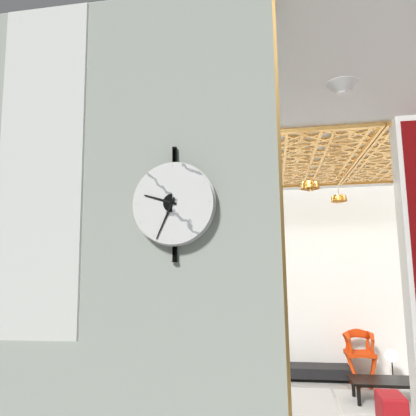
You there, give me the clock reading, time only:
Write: 9:34
